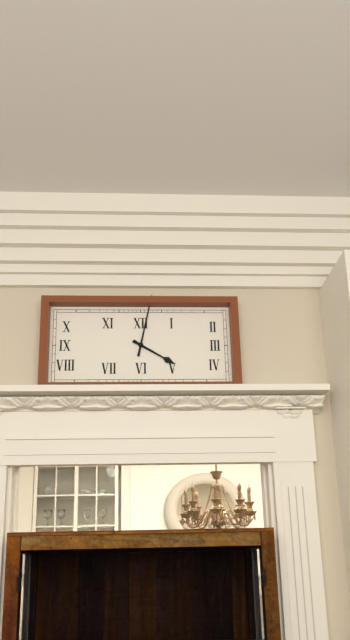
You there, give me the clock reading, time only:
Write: 4:02
